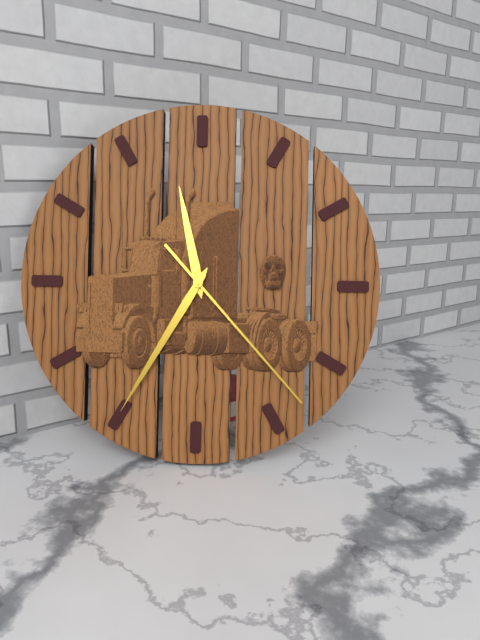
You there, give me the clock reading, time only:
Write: 11:35:23
